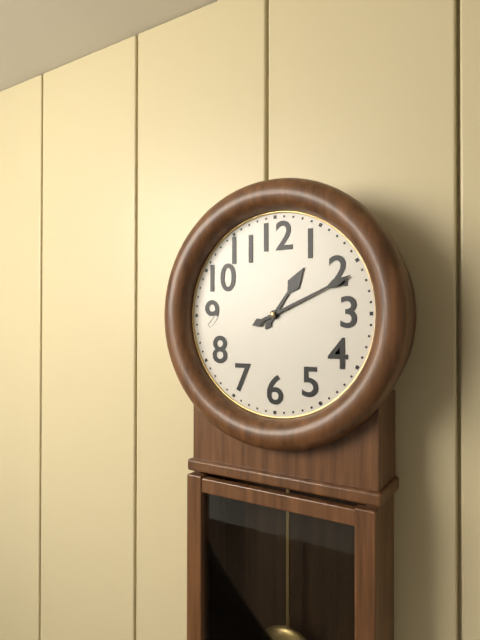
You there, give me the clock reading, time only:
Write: 1:11
